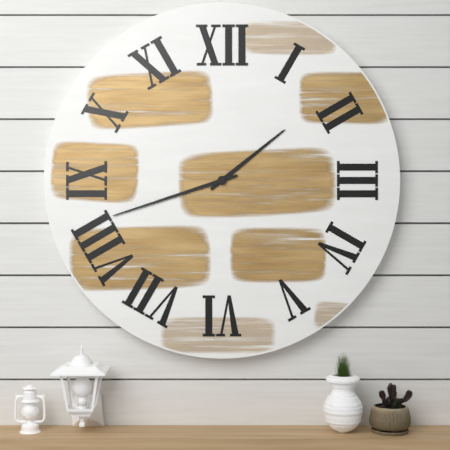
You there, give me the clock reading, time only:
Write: 1:42
